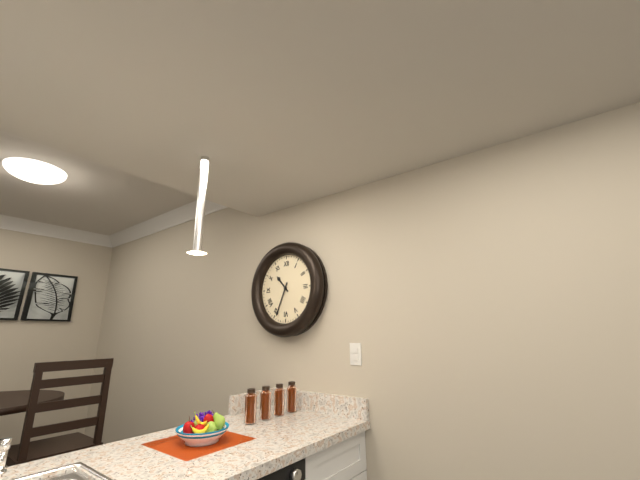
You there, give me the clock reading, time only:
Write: 10:34
